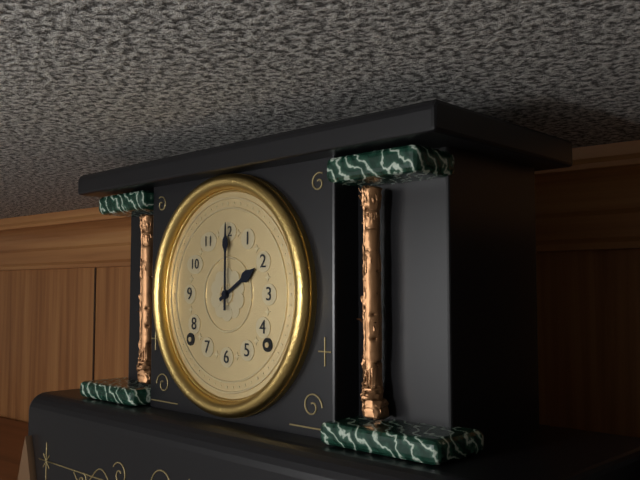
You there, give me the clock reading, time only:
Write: 2:00
